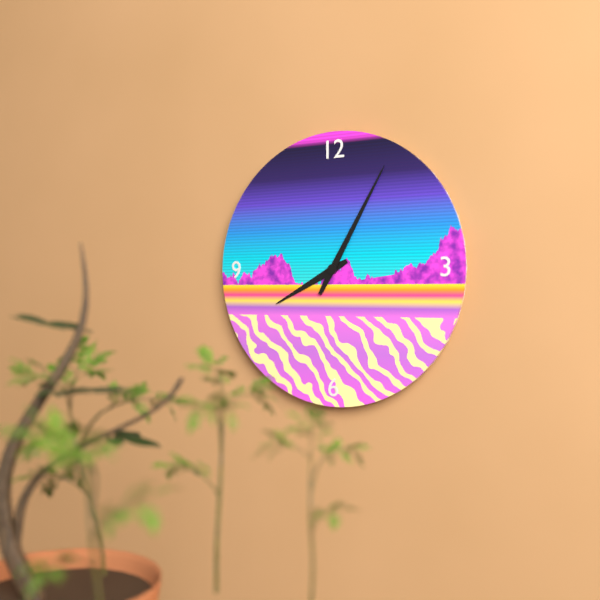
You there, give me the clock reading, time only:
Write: 8:05
